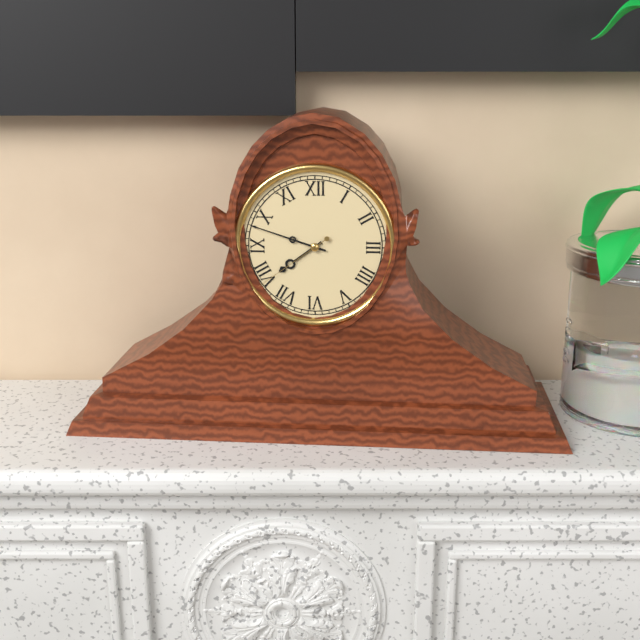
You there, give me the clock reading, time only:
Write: 7:48:39
